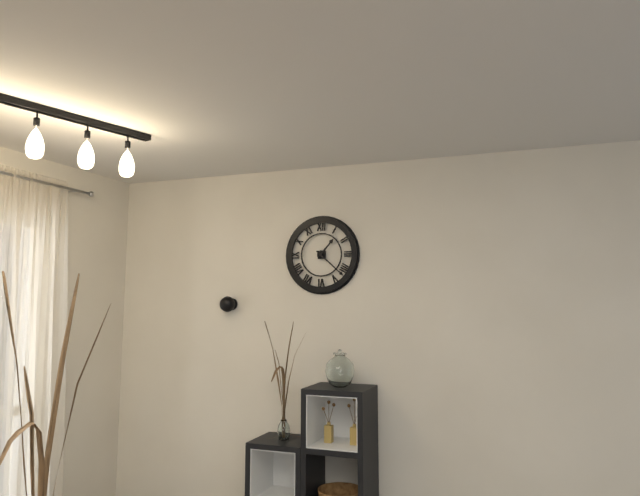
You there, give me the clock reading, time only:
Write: 1:22
